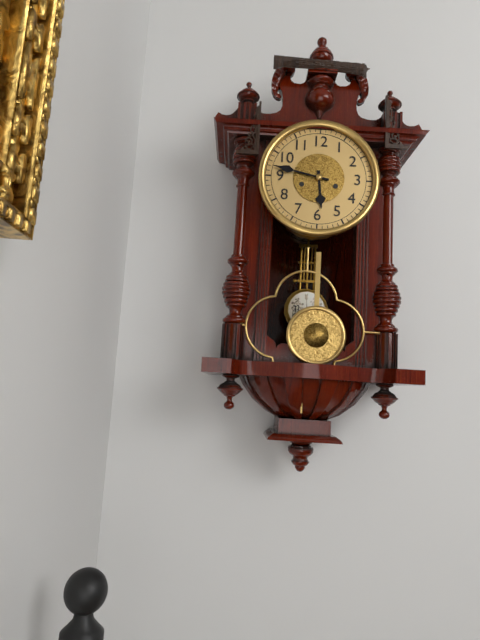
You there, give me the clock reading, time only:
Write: 5:47
